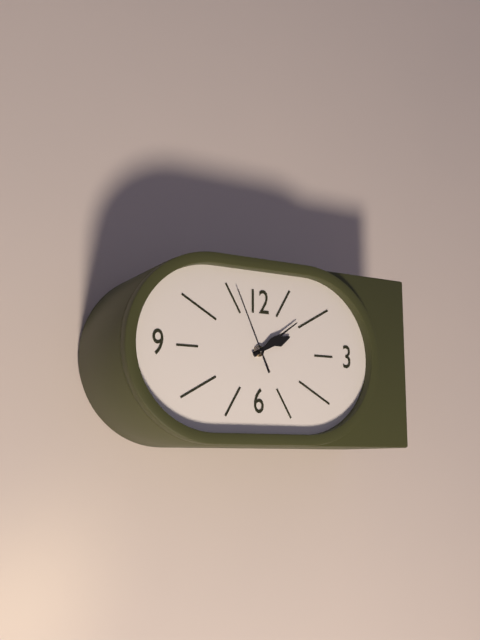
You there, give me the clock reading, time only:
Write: 2:09:56
